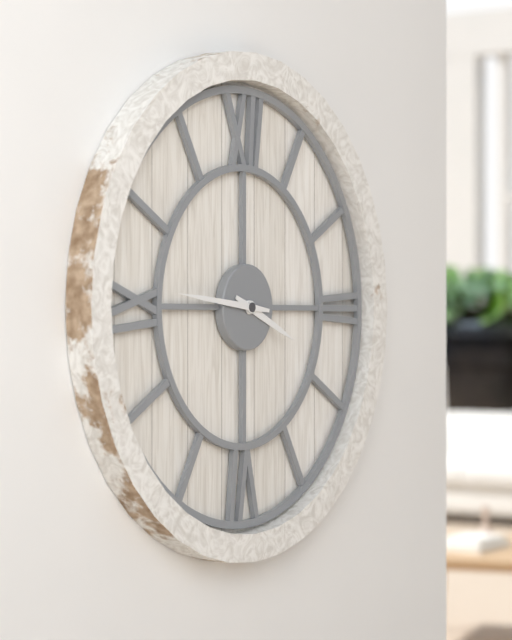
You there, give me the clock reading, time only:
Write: 3:46
